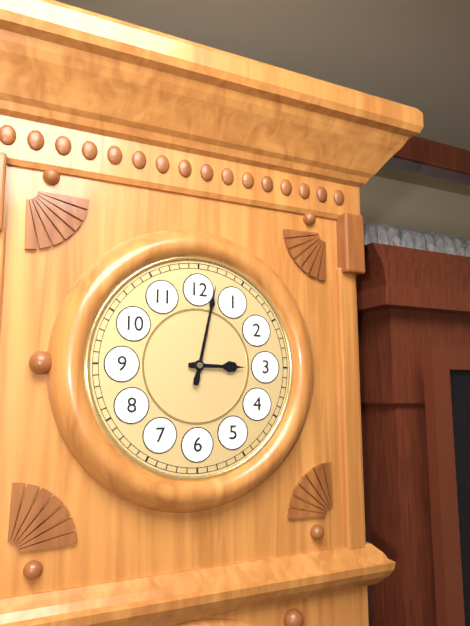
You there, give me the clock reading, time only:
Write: 3:02
